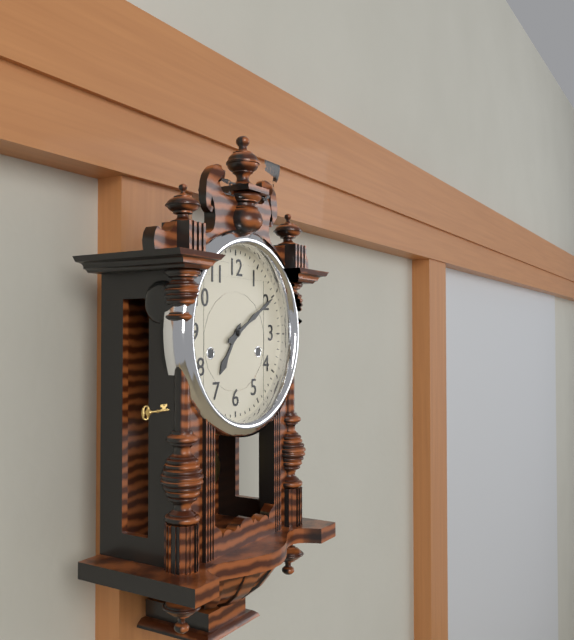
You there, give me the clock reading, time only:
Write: 7:10
